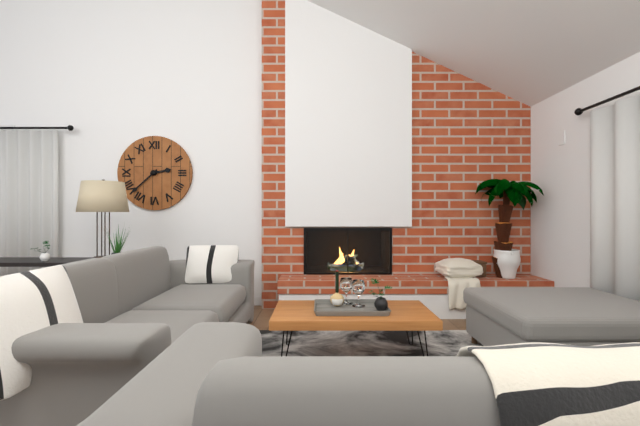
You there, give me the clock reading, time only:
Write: 2:38
